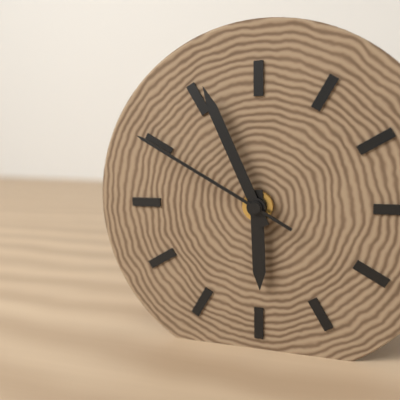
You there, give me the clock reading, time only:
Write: 5:56:50
